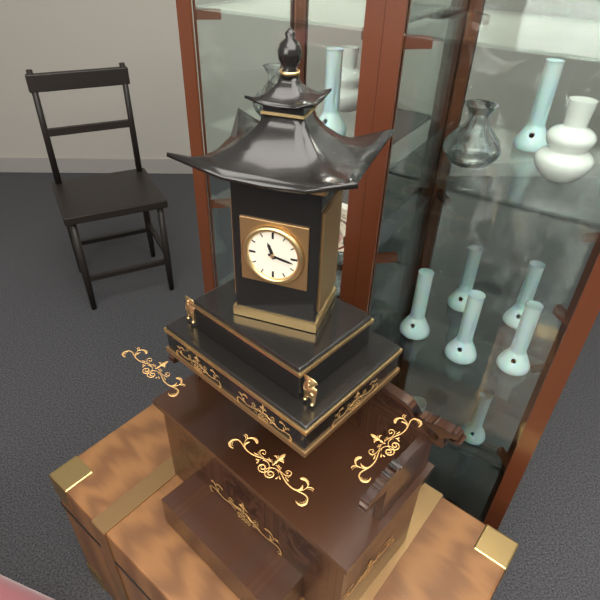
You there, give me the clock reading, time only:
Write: 11:17
